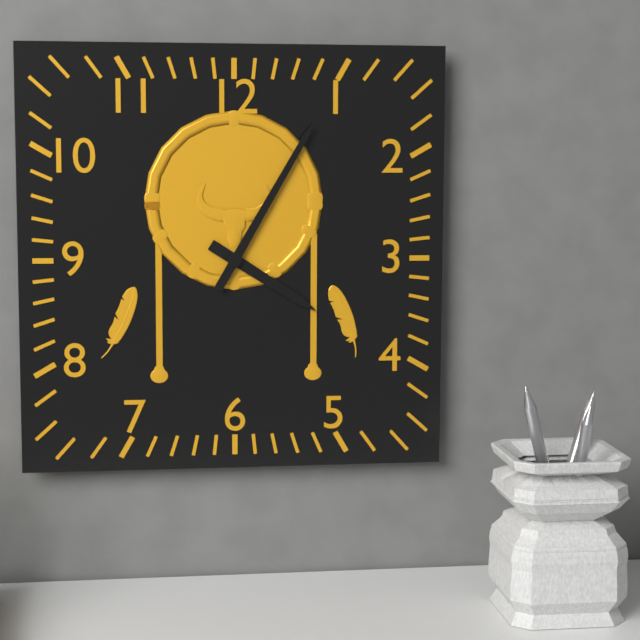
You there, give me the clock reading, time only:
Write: 4:05
